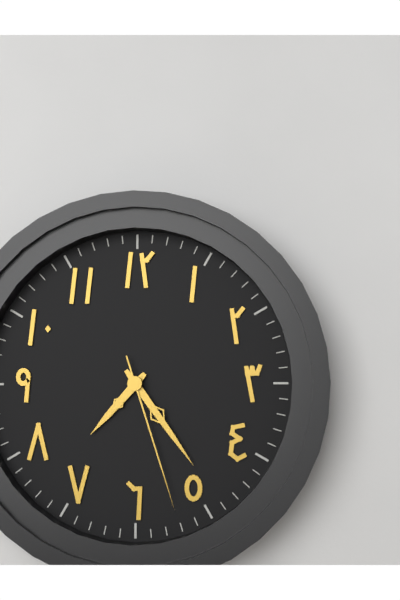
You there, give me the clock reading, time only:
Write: 7:24:27
